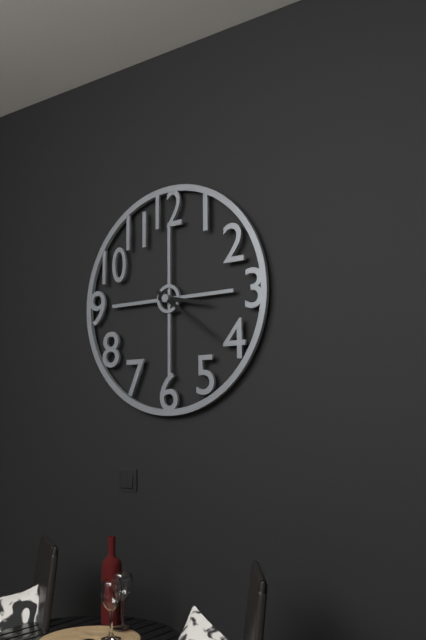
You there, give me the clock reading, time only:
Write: 3:21
